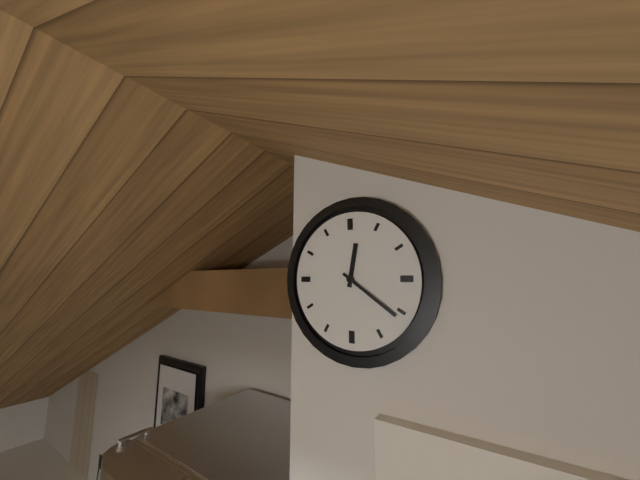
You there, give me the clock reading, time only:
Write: 12:21
